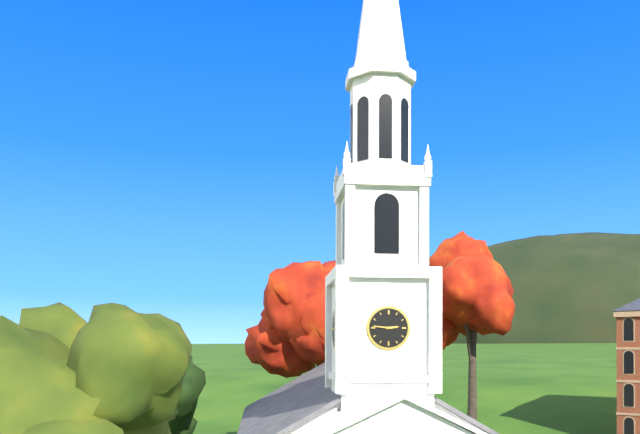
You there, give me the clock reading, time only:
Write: 2:46
